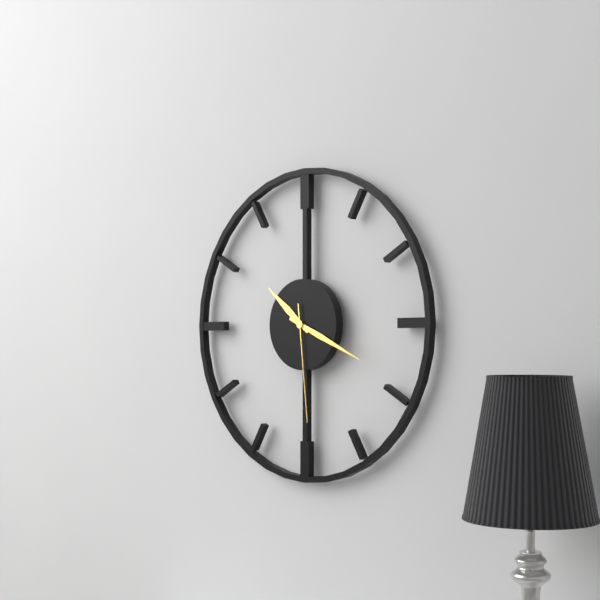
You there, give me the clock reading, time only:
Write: 10:19:29
